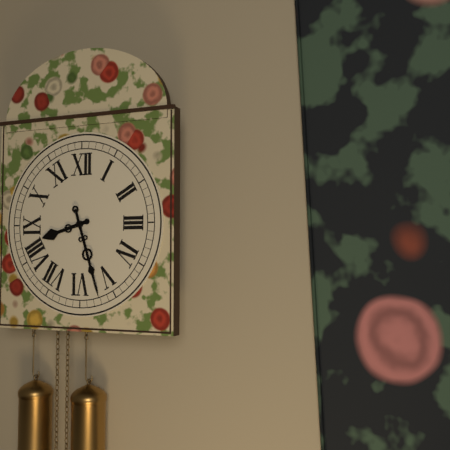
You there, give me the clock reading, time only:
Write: 8:27
